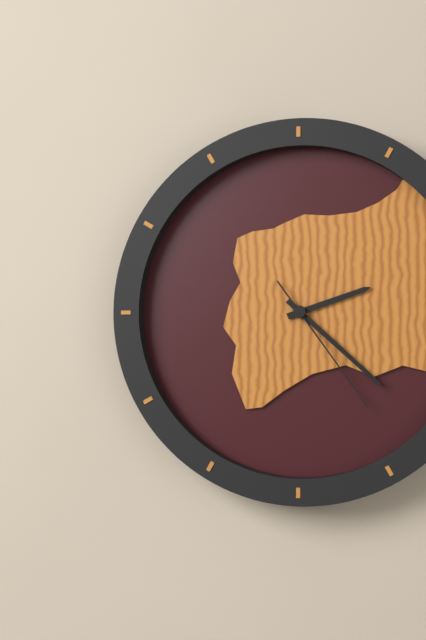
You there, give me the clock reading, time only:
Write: 2:22:24
